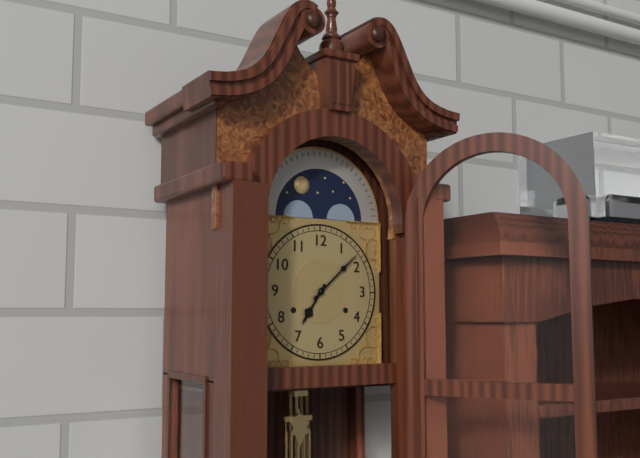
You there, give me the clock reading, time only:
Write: 7:08
